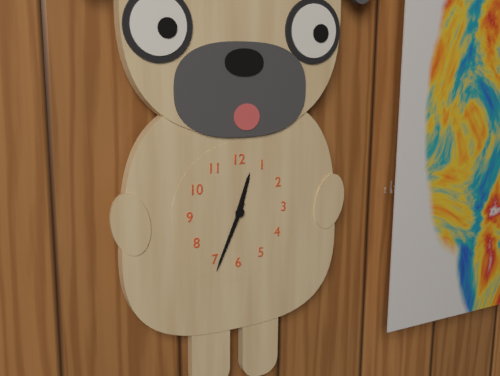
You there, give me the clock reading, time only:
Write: 12:34
